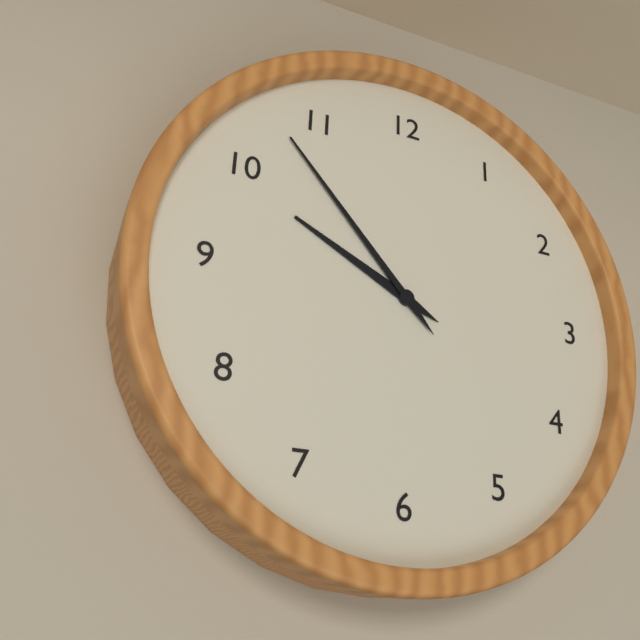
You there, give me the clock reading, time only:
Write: 9:53
